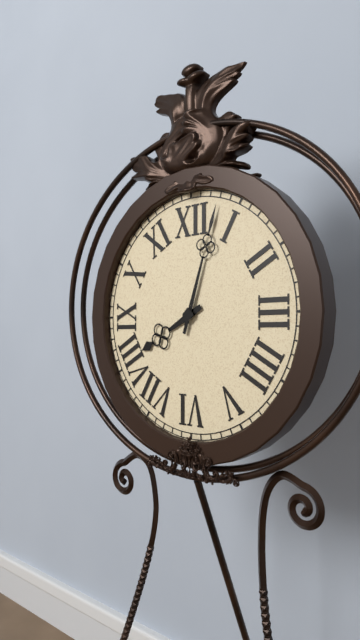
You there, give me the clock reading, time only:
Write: 8:03
